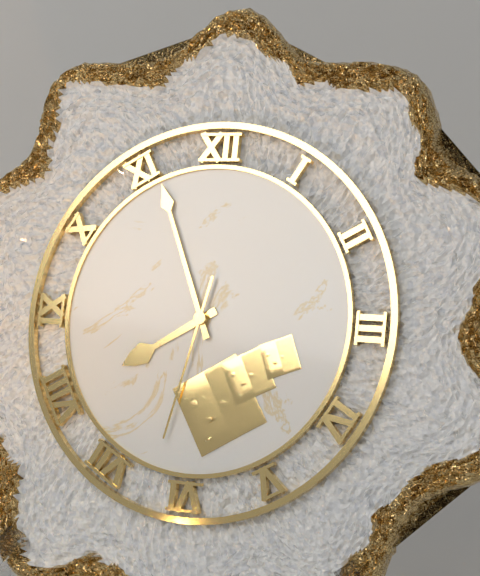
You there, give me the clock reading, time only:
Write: 7:56:32
